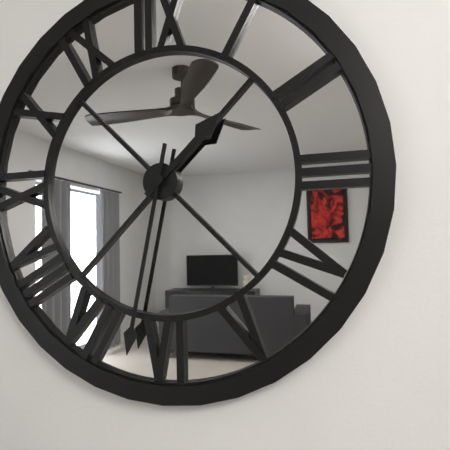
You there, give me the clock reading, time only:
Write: 1:32
